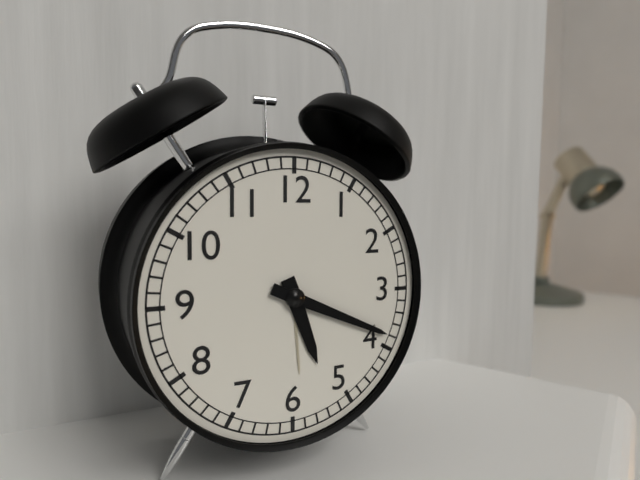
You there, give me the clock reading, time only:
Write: 5:19
